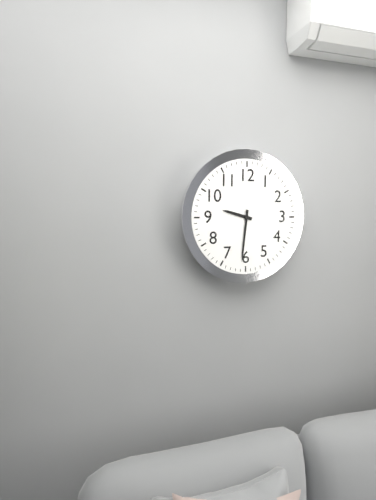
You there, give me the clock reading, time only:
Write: 9:31
